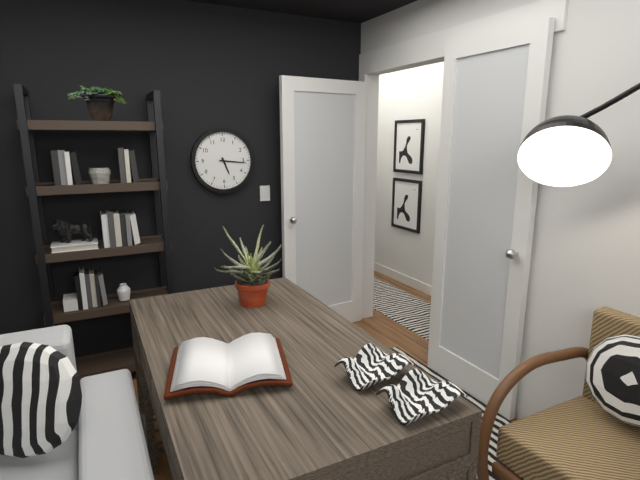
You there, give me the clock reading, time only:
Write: 5:16
